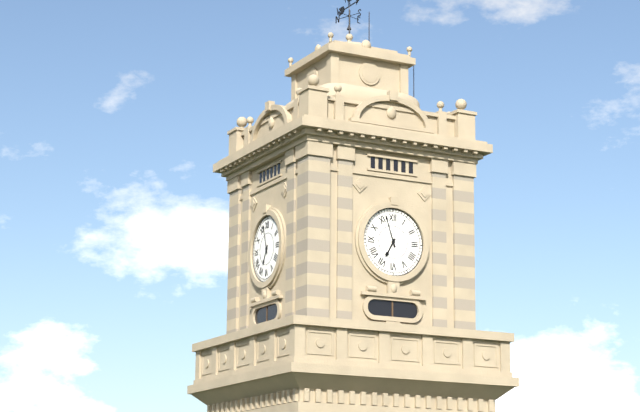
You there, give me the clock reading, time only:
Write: 6:57
